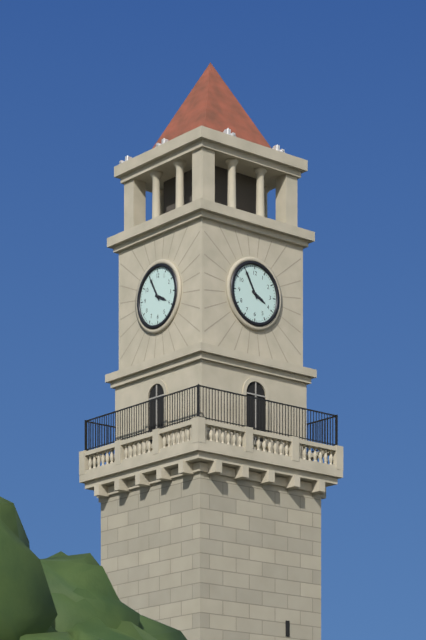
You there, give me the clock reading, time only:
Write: 3:55
